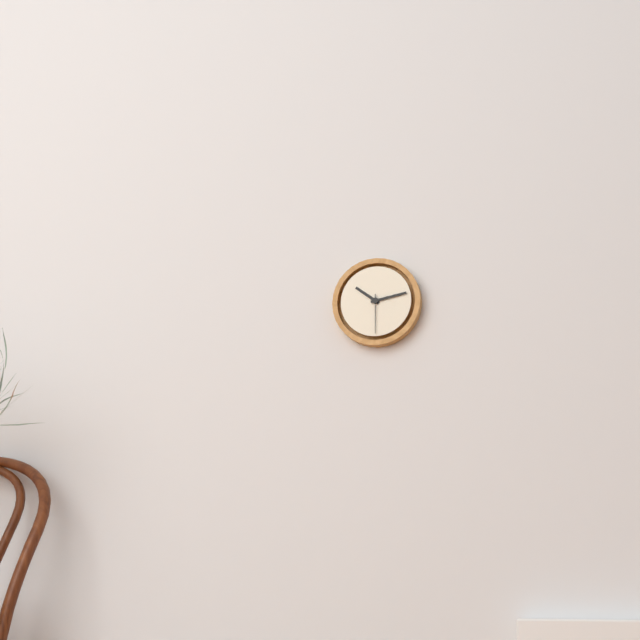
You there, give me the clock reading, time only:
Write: 10:13
